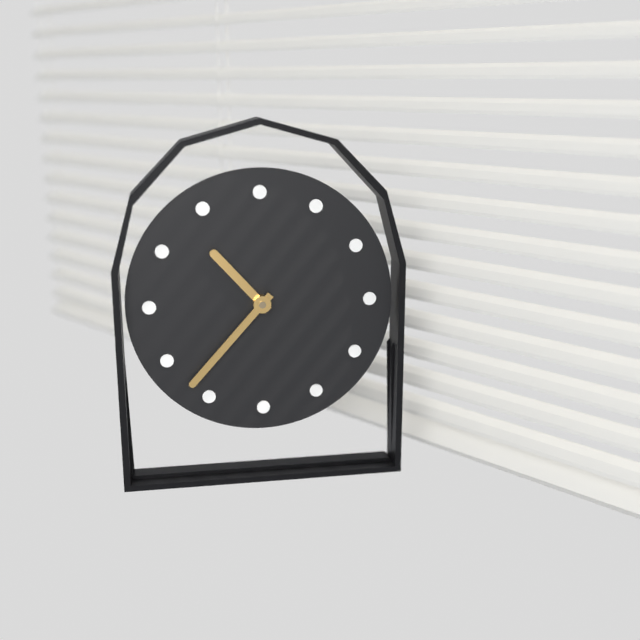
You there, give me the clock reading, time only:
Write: 10:37
